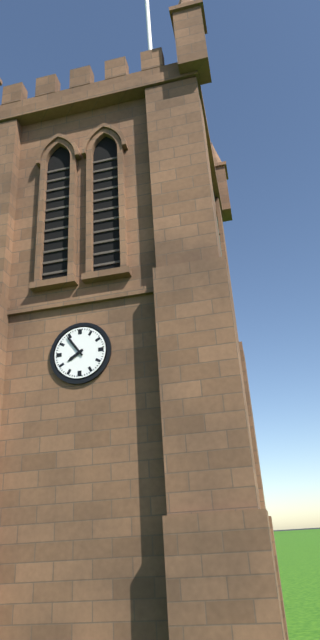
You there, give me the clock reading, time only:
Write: 7:54
